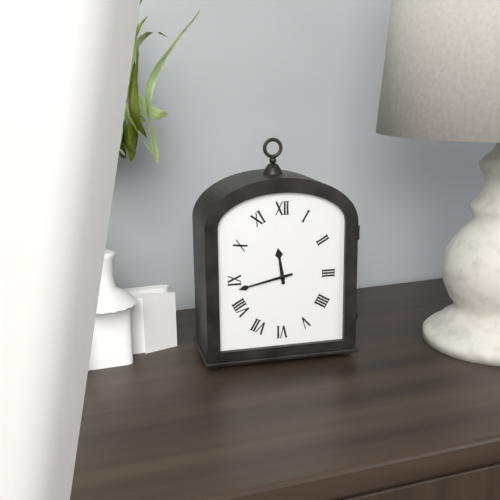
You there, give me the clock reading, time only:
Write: 11:43
